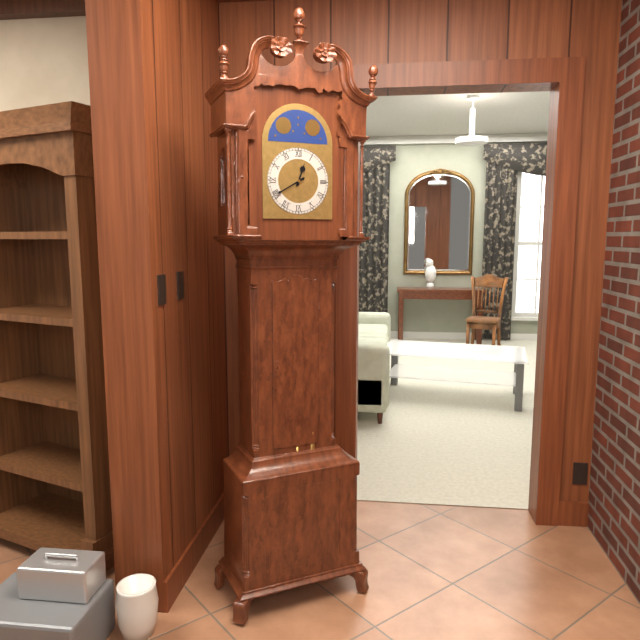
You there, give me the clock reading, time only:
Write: 12:40
